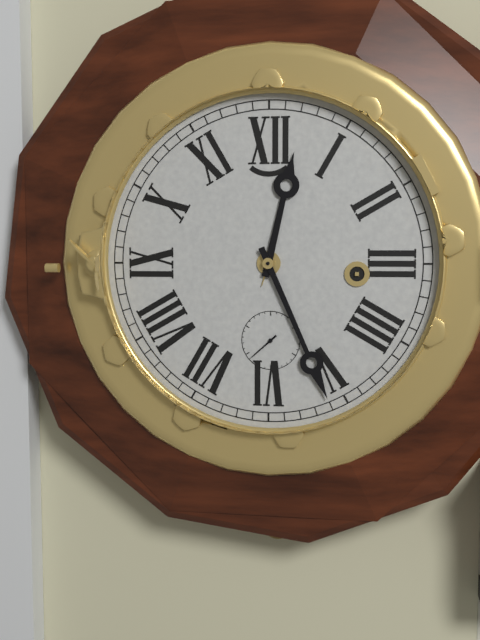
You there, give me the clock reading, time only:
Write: 12:26
